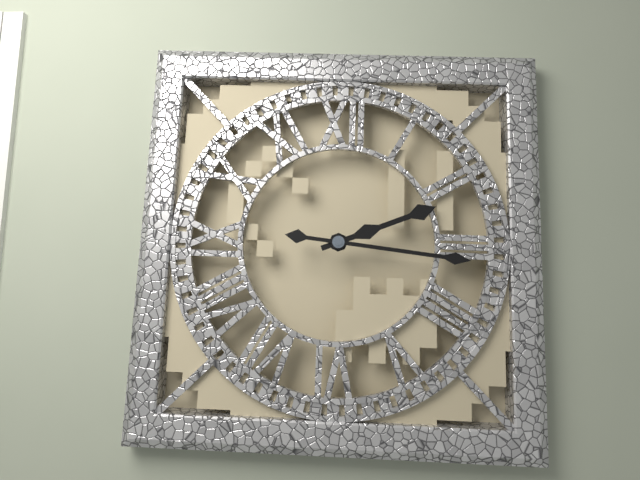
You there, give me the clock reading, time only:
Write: 2:16
